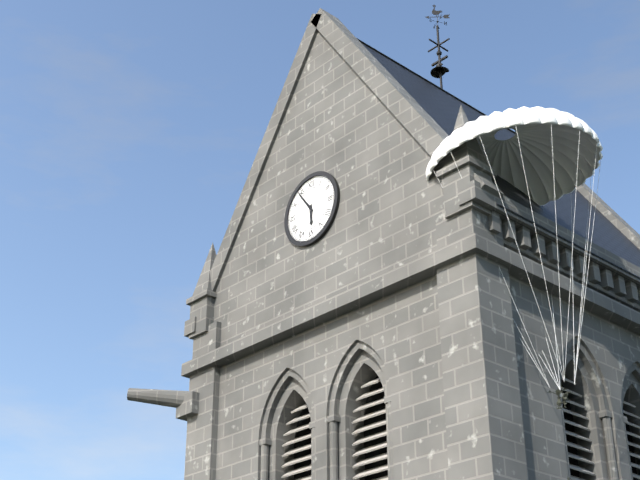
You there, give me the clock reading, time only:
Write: 5:54
